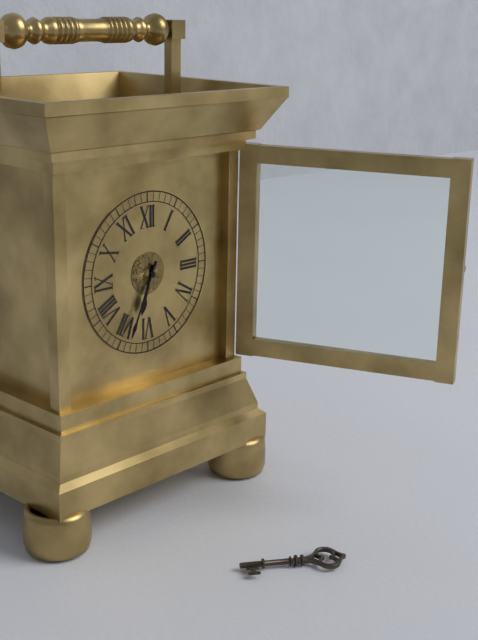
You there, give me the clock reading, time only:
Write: 6:34
